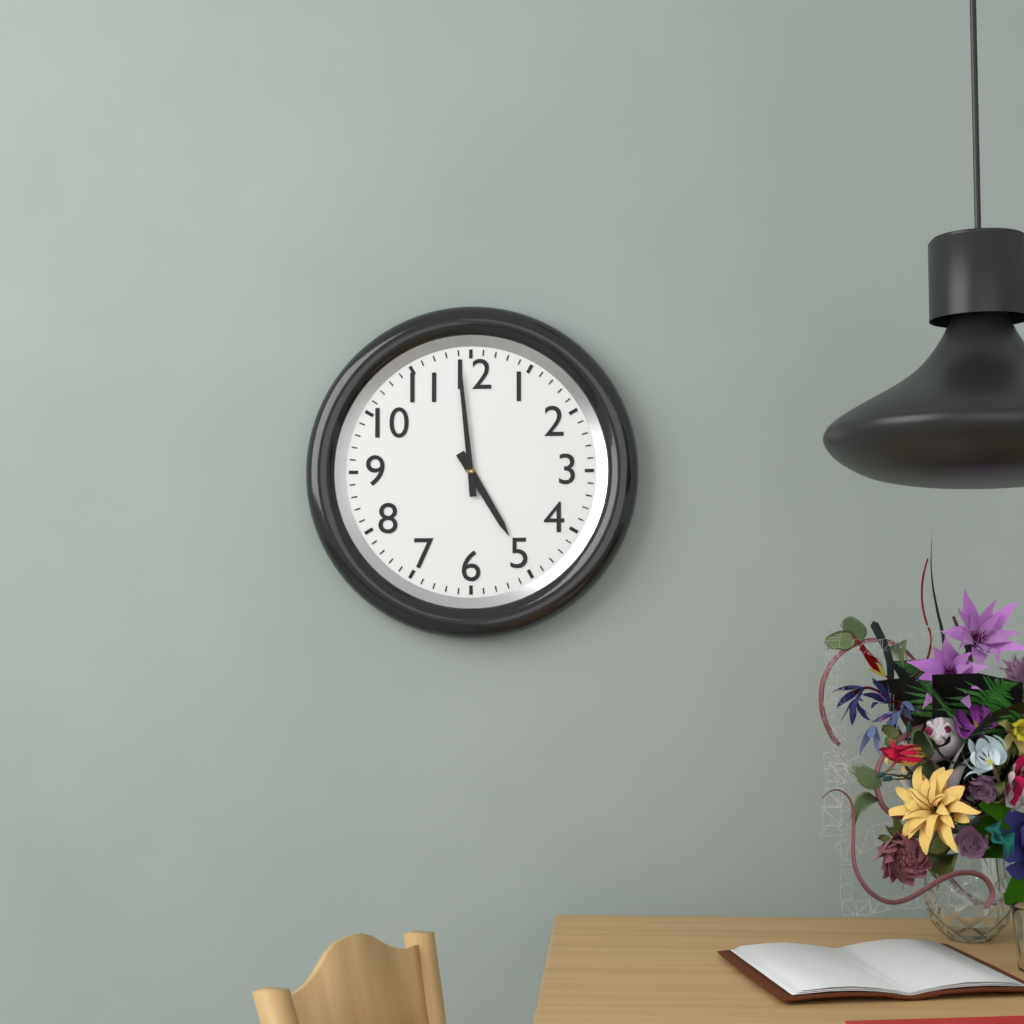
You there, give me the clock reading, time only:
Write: 4:59
